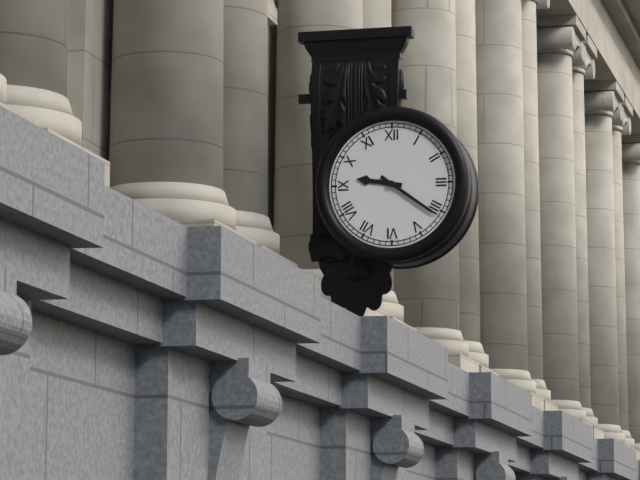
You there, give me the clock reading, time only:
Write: 9:21
